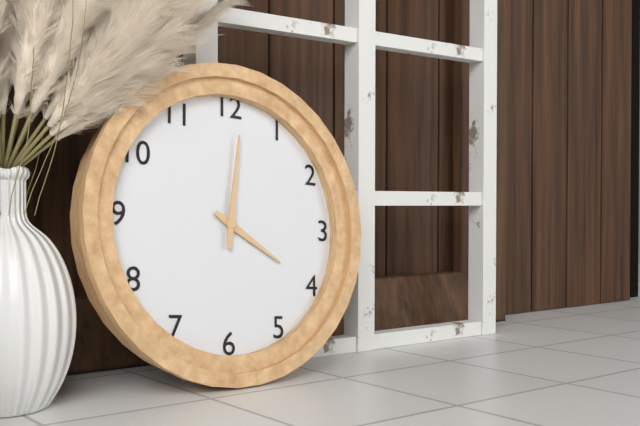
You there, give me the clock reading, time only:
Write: 4:01
